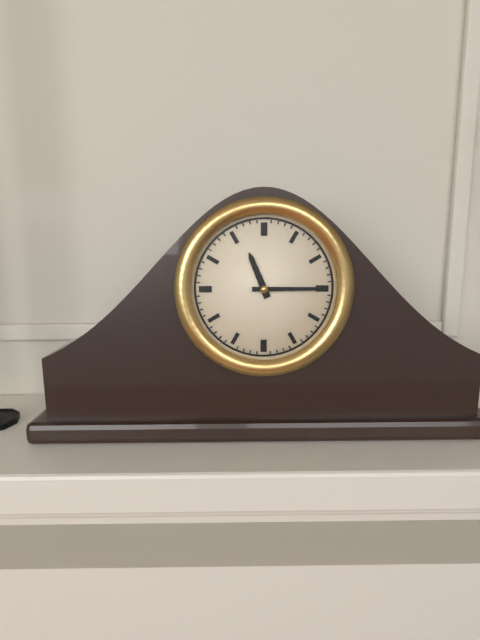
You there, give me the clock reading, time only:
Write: 11:15
